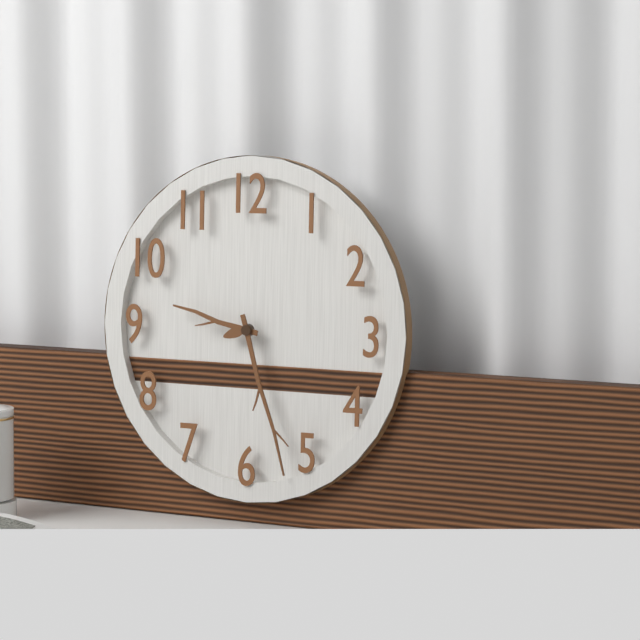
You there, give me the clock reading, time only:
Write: 9:27
